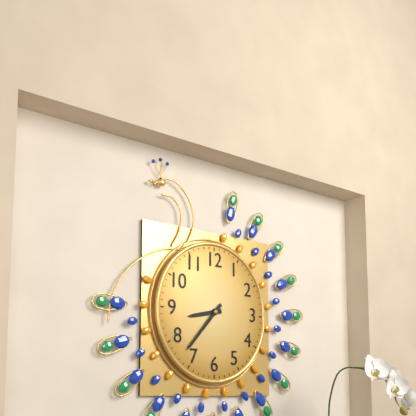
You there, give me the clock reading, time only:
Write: 8:37
